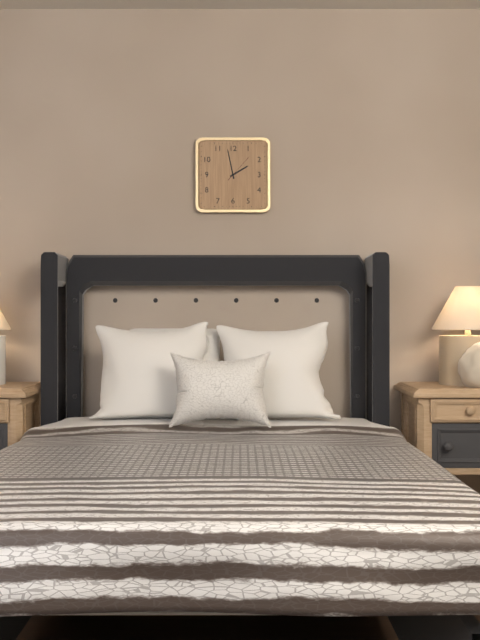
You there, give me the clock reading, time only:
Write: 1:58
